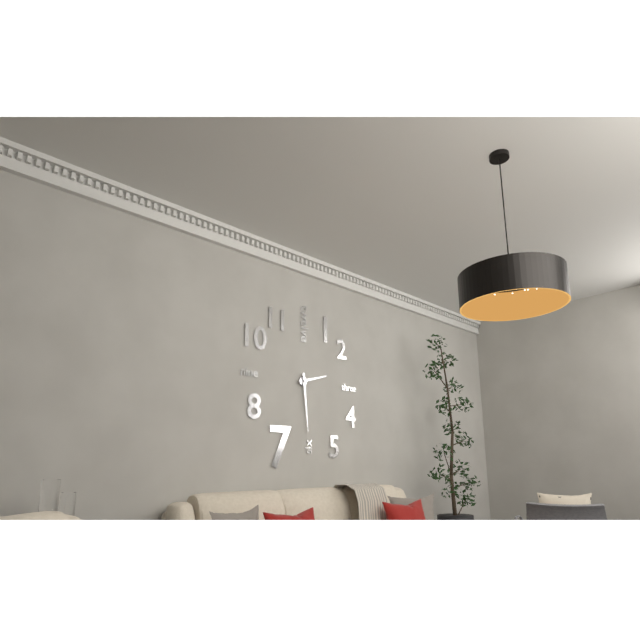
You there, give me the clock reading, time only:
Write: 2:29
